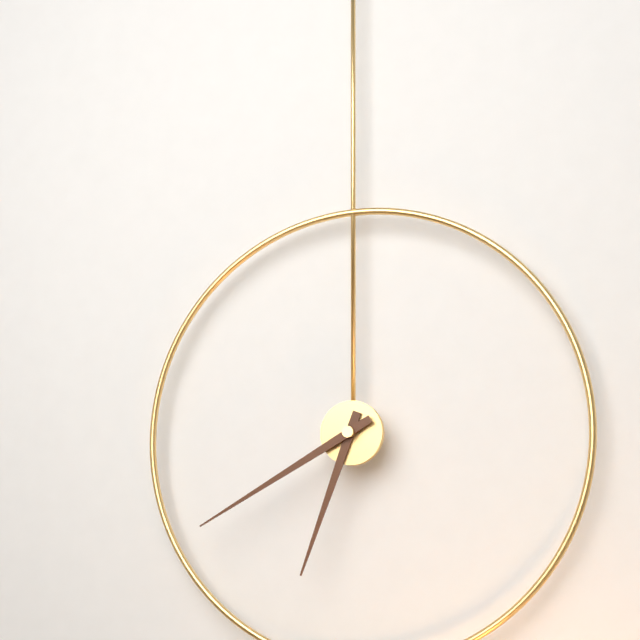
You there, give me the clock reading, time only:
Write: 6:40
